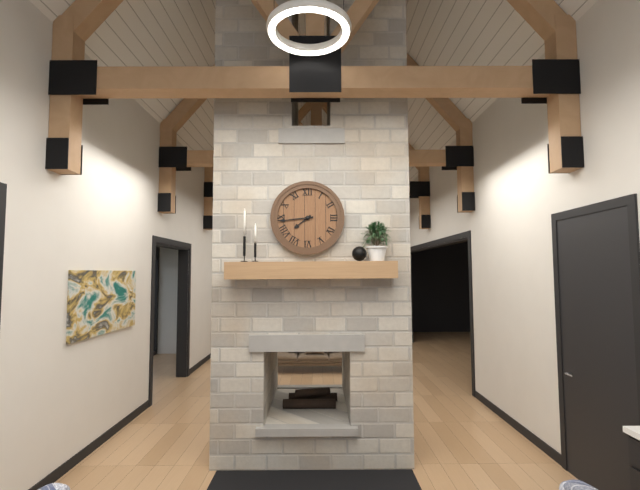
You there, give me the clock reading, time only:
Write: 7:44
